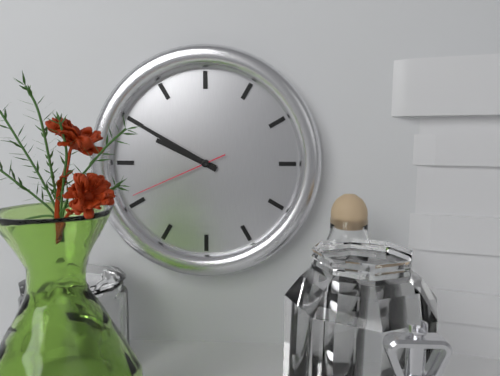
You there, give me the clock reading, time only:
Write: 9:50:41
